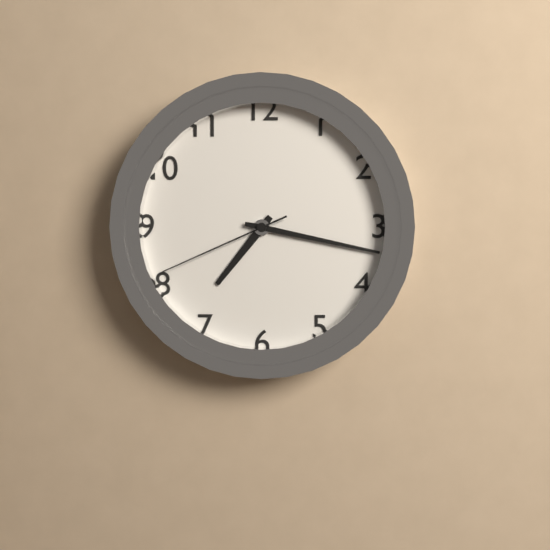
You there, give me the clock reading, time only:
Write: 7:17:41
